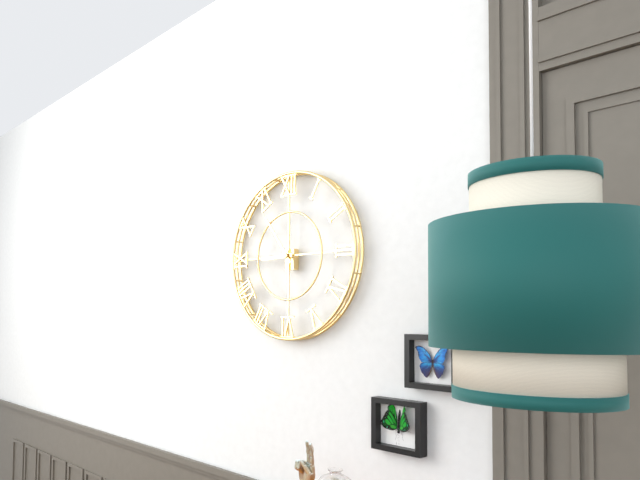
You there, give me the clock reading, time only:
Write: 8:54
